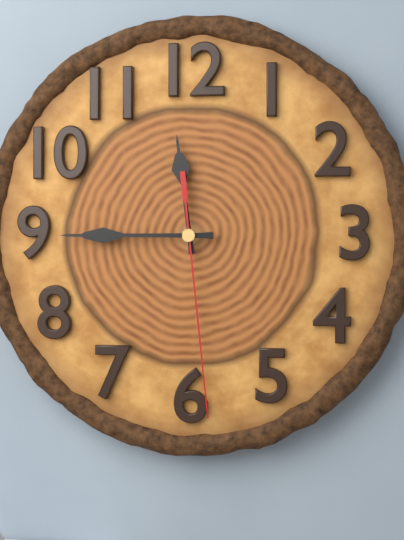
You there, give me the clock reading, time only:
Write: 11:45:29
